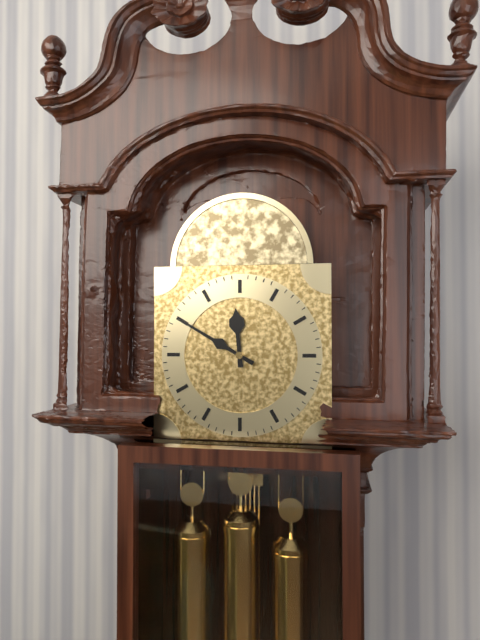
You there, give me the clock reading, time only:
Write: 11:50
